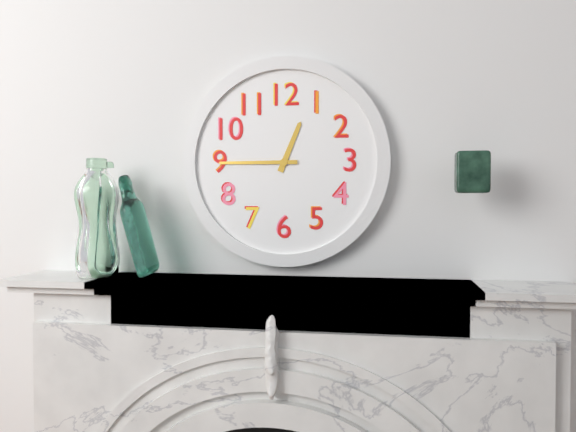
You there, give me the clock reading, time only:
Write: 12:45
